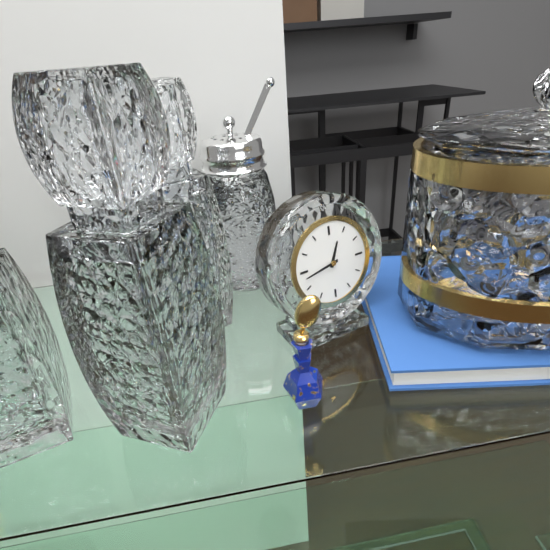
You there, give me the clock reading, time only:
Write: 12:43
